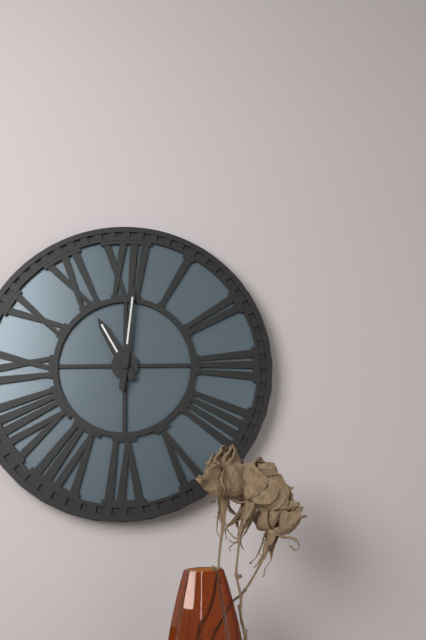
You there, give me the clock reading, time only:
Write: 11:01
